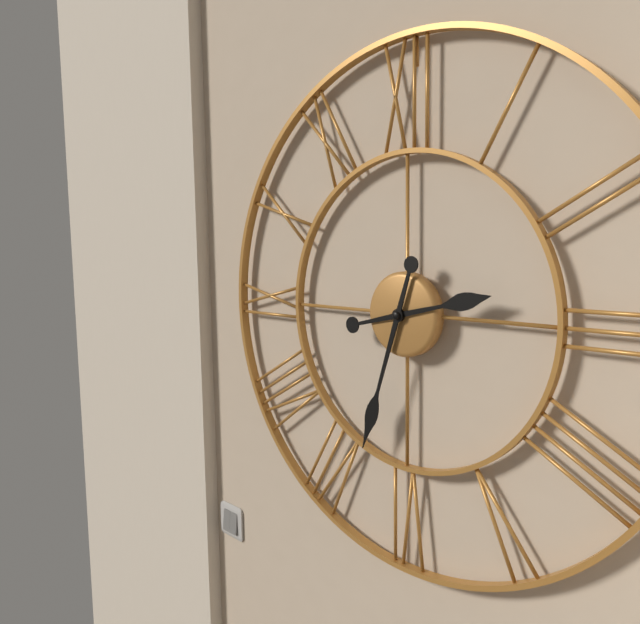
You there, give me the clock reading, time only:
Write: 2:33
